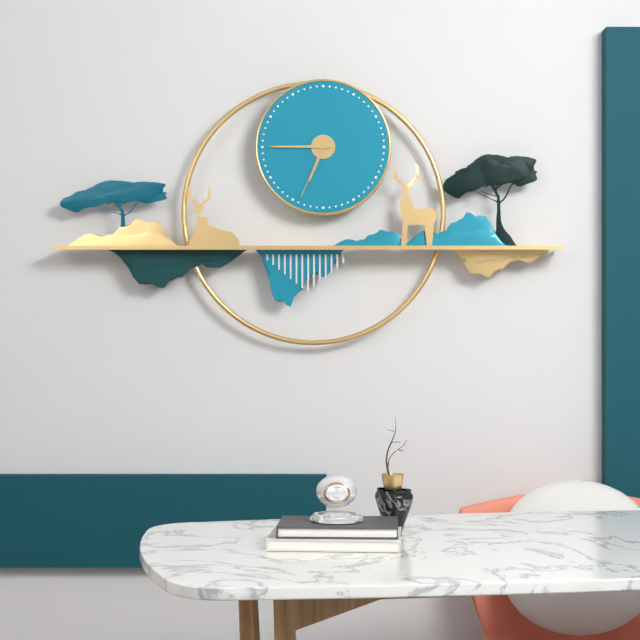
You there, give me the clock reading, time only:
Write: 6:45:34
